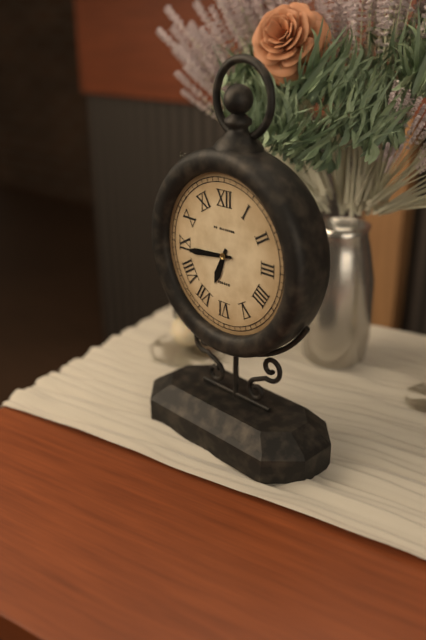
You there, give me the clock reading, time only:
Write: 6:44
